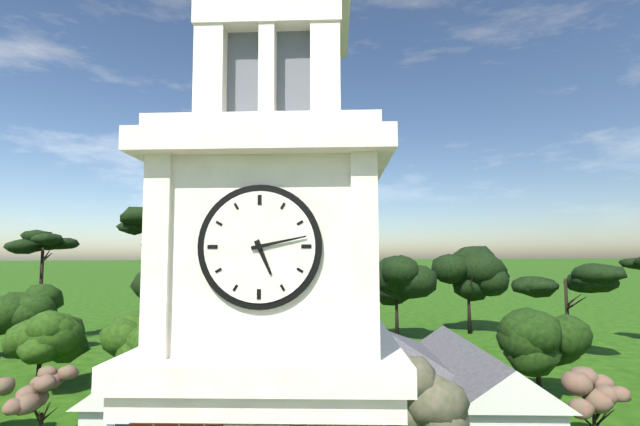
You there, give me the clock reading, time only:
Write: 5:13
